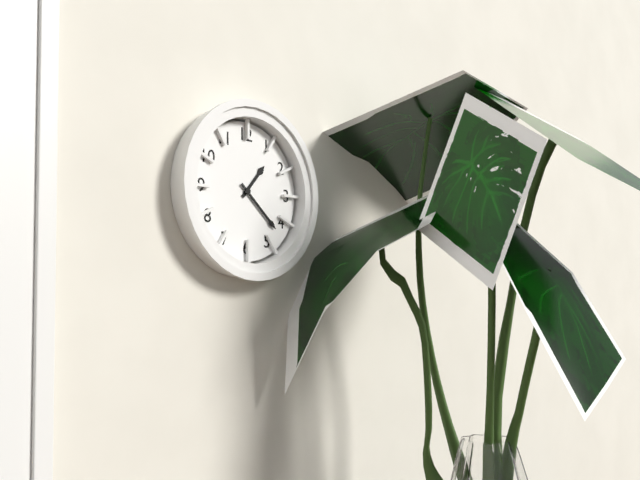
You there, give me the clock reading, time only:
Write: 1:22
